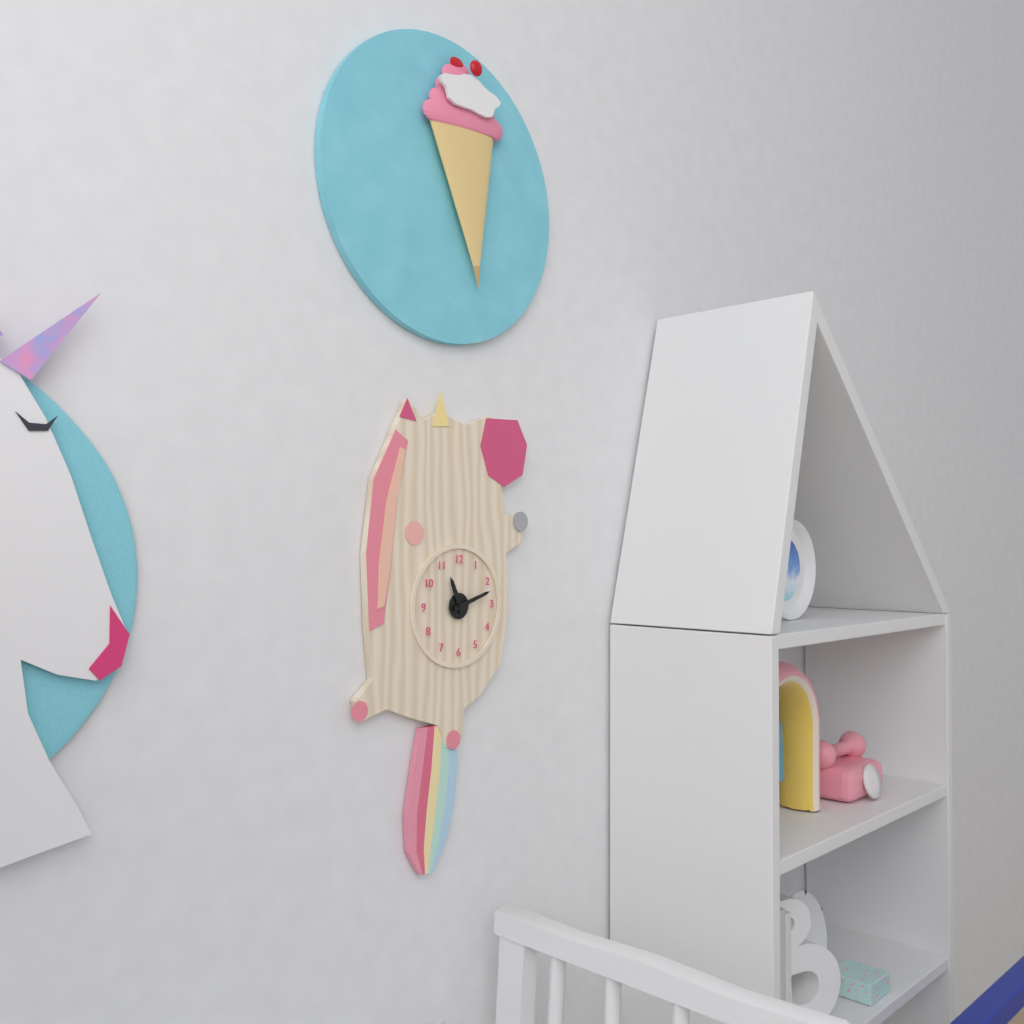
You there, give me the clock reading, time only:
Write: 11:12
